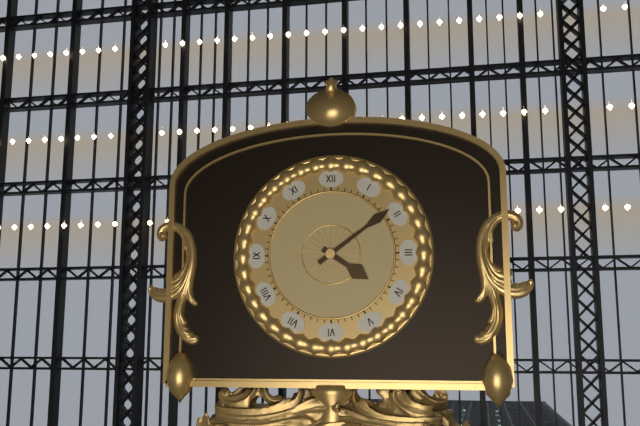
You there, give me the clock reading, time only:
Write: 4:09
